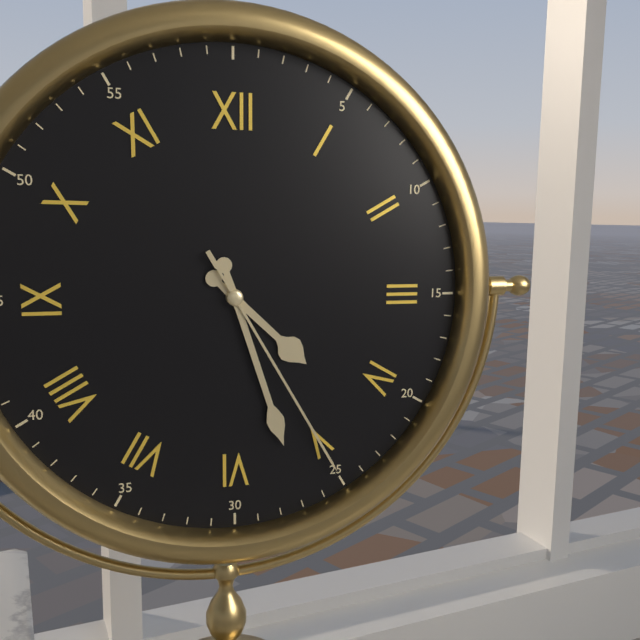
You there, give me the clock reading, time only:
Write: 4:27:25
